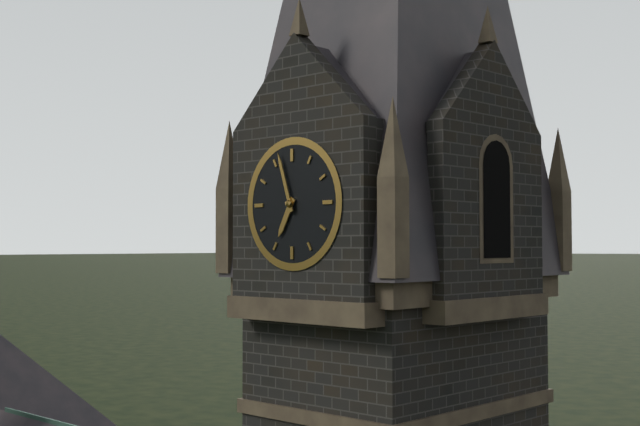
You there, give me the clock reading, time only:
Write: 6:57
